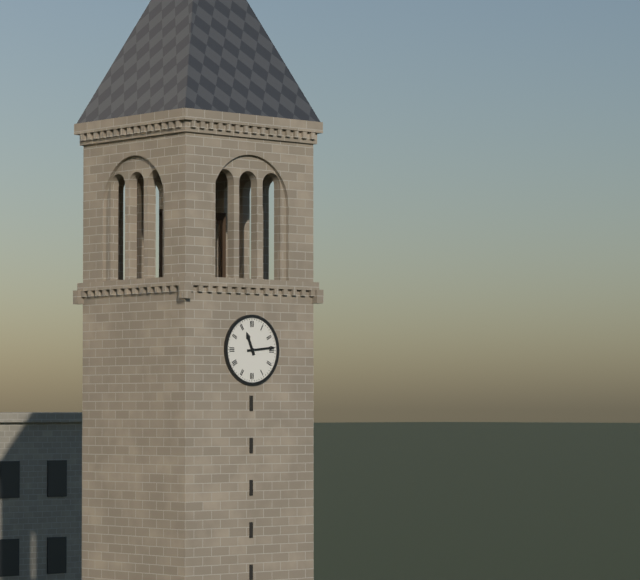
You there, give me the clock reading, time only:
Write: 11:14
